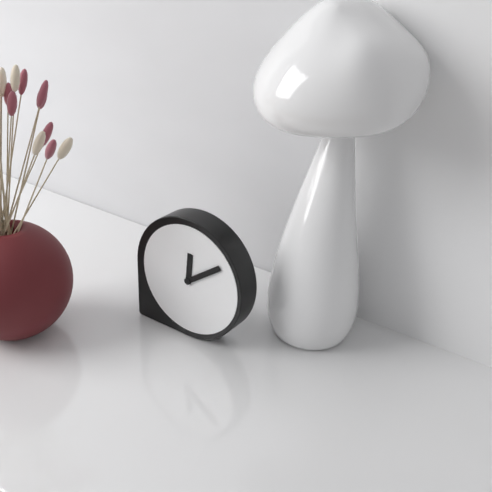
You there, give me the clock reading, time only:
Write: 12:09
